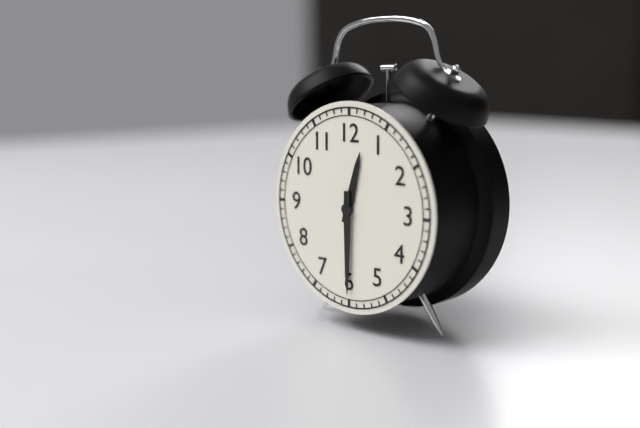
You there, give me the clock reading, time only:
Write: 12:30
